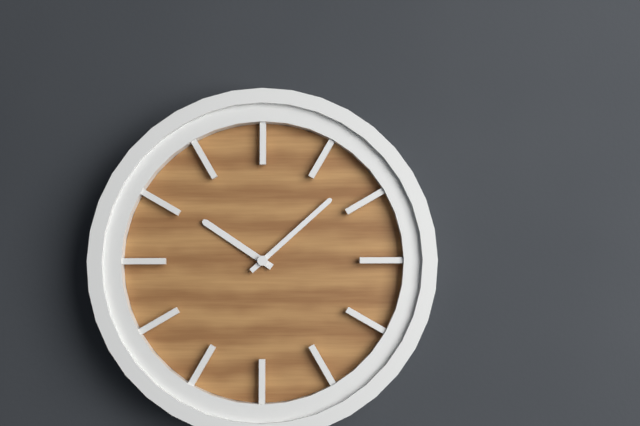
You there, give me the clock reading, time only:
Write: 10:08
